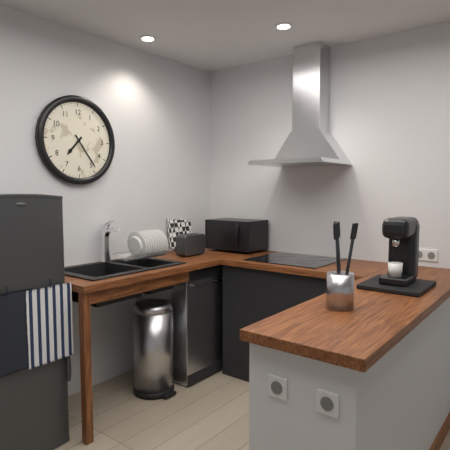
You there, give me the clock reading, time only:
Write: 7:24
